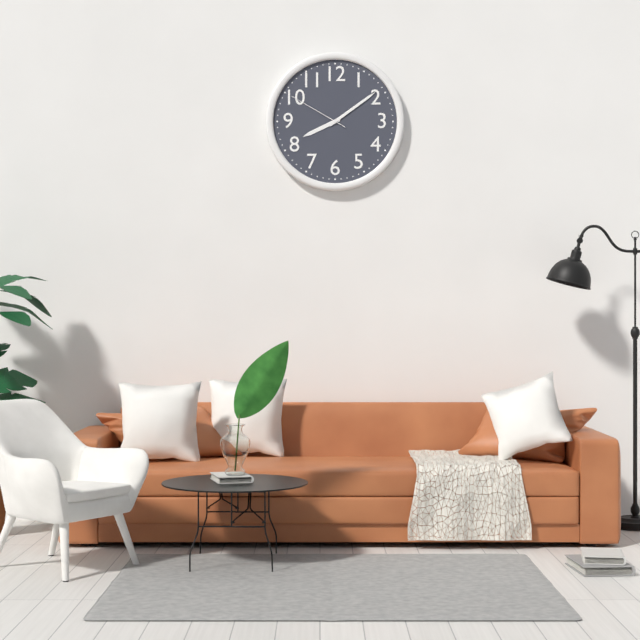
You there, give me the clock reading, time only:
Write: 8:09:50
